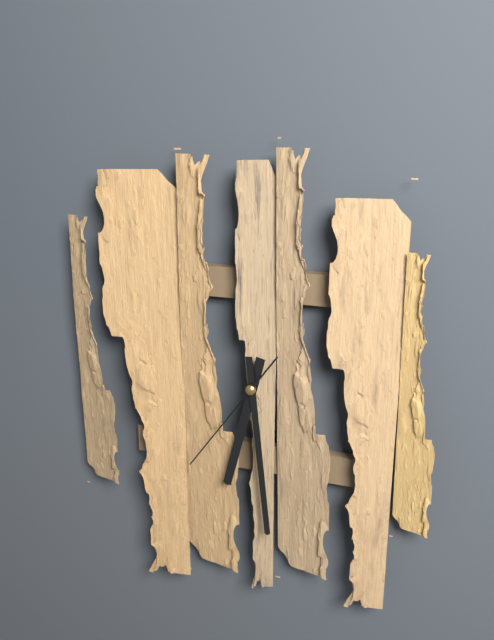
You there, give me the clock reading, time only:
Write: 6:29:36
